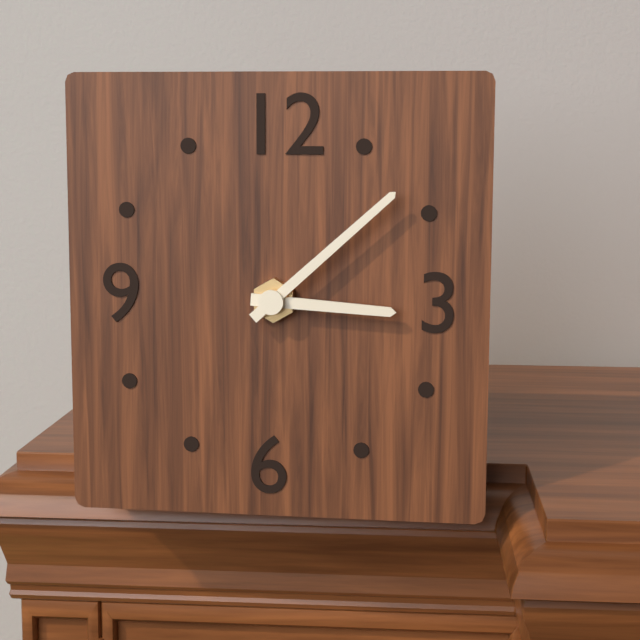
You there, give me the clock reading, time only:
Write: 3:08
